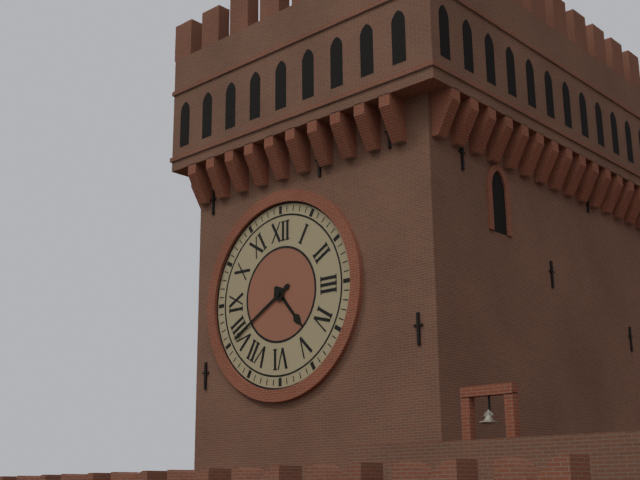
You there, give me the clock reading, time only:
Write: 4:40
